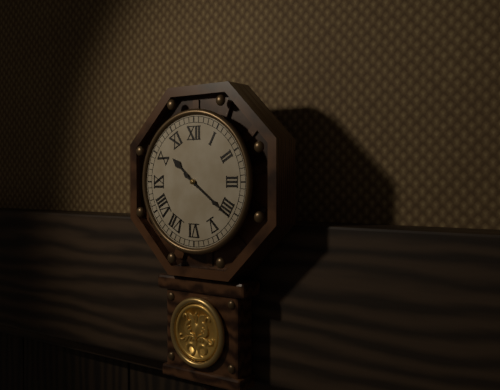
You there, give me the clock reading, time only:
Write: 10:21
